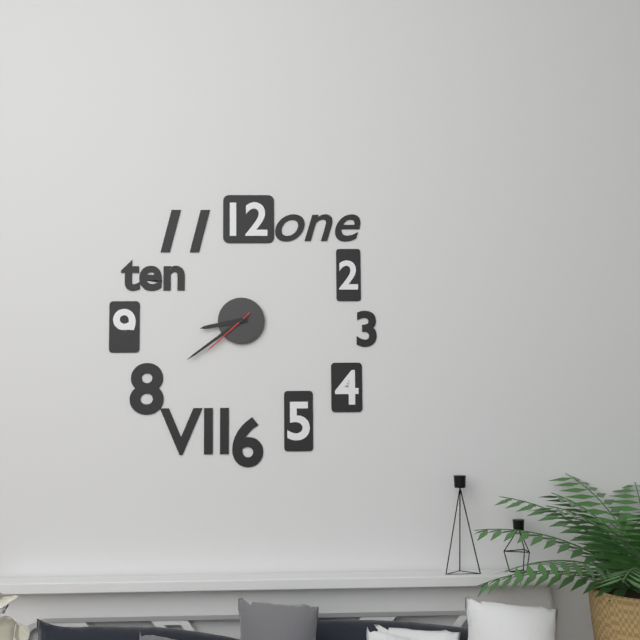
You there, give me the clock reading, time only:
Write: 8:39:38
